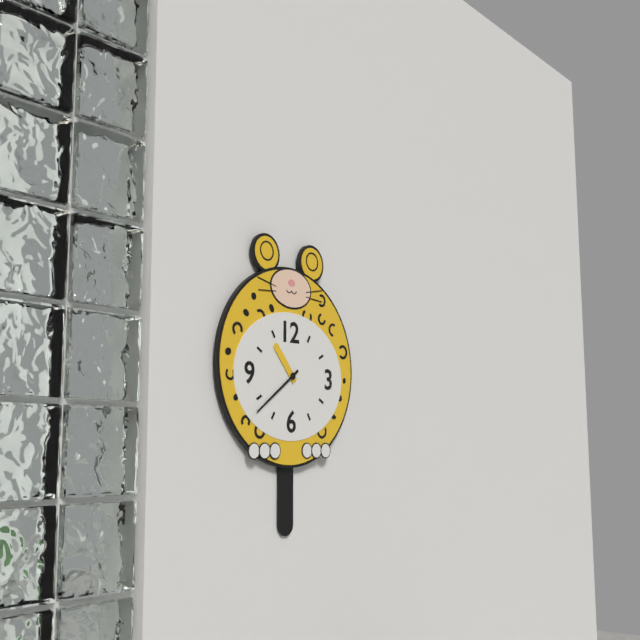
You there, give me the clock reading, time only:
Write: 10:39
